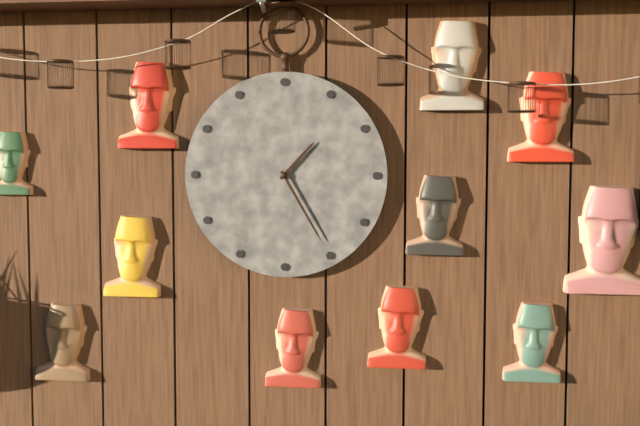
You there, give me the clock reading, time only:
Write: 1:25
